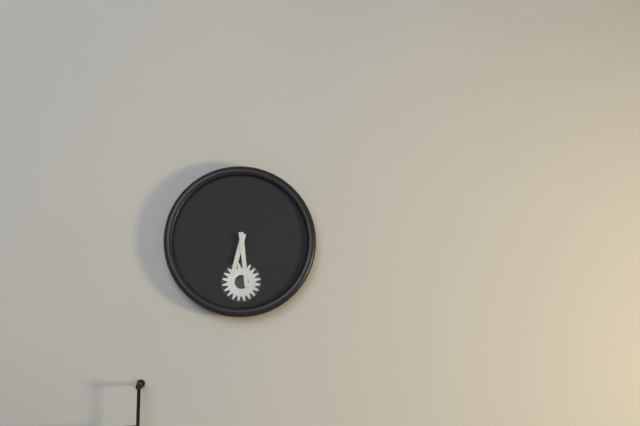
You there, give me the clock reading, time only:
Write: 6:29
